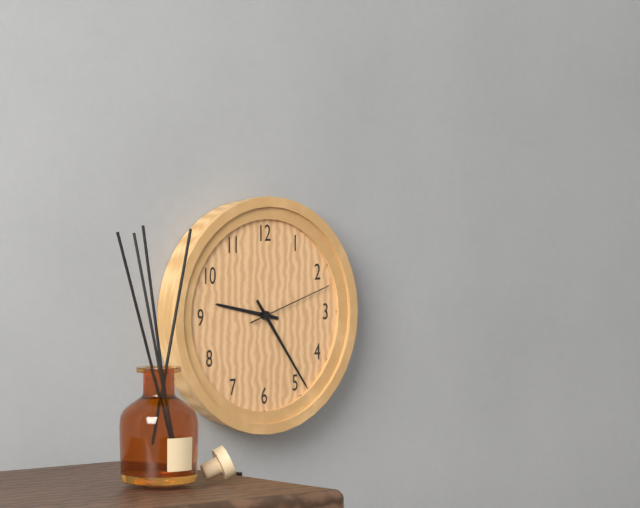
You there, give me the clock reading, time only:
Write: 9:24:12
